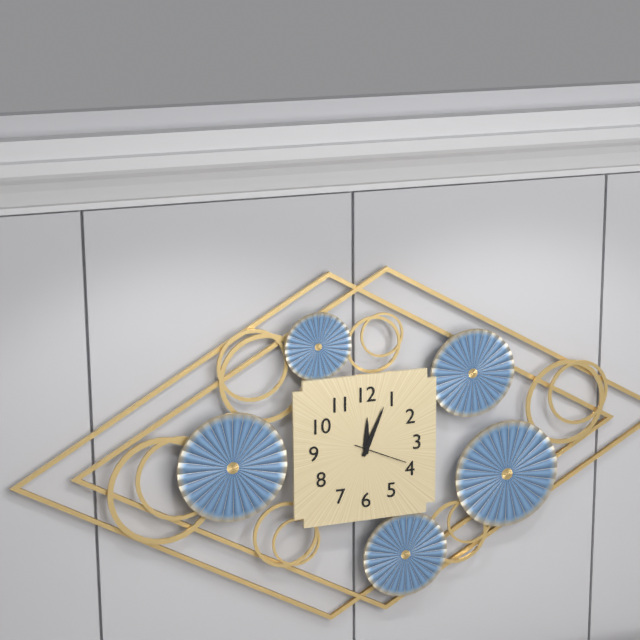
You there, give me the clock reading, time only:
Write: 12:04:19
